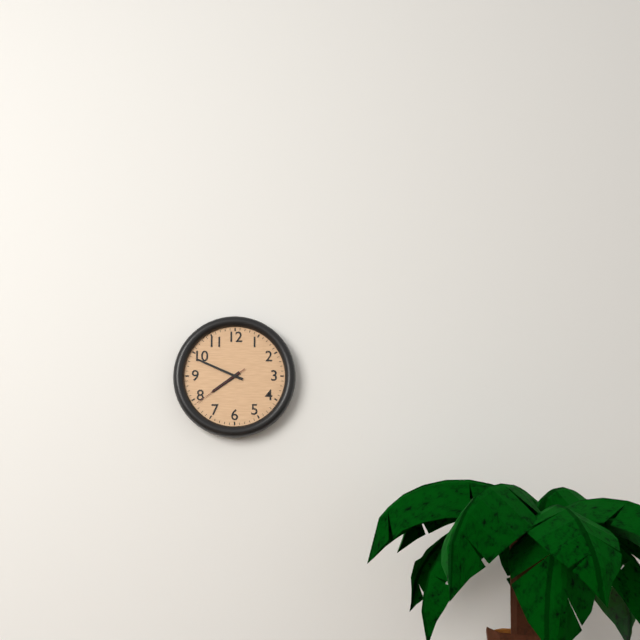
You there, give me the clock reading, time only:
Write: 7:49:39
